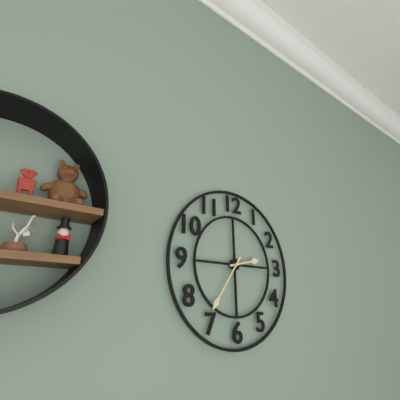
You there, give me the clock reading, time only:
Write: 2:36
